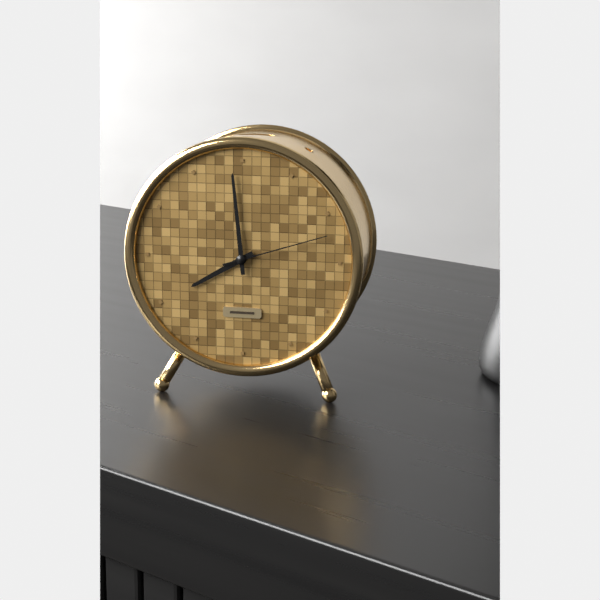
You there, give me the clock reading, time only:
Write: 7:59:12
